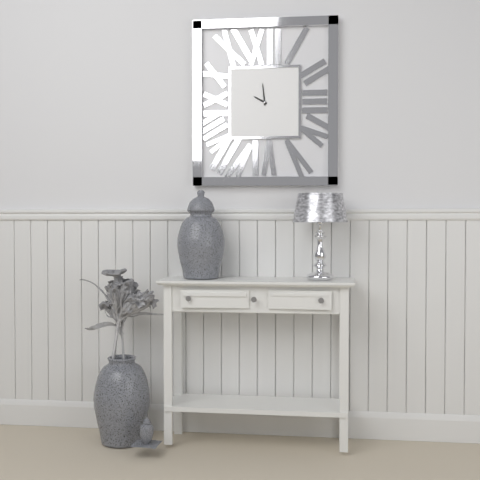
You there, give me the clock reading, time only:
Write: 9:59
